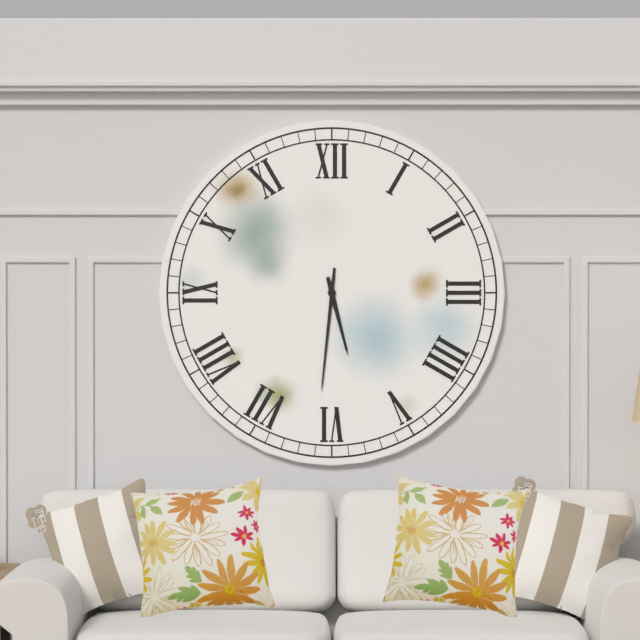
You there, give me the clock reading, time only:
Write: 5:31
